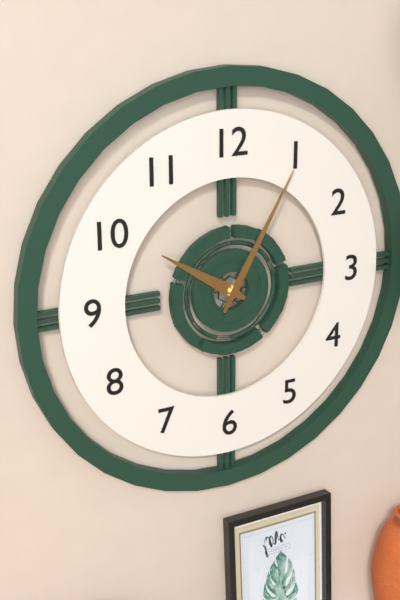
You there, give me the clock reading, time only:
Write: 10:05
